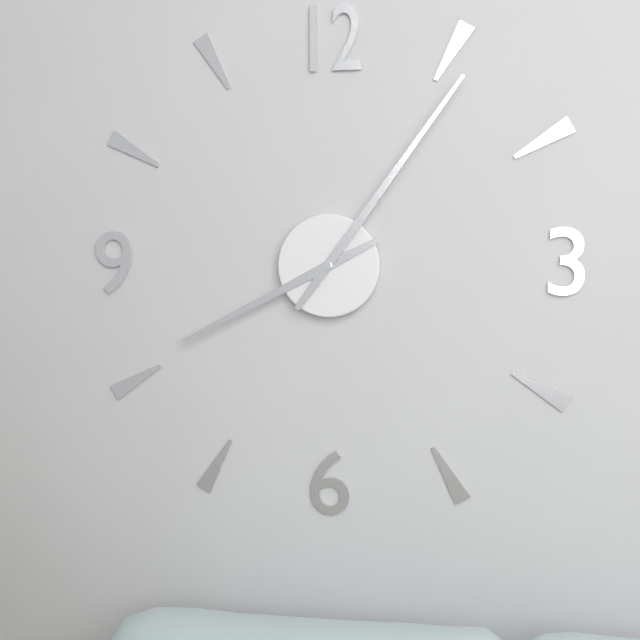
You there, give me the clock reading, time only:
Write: 8:06
